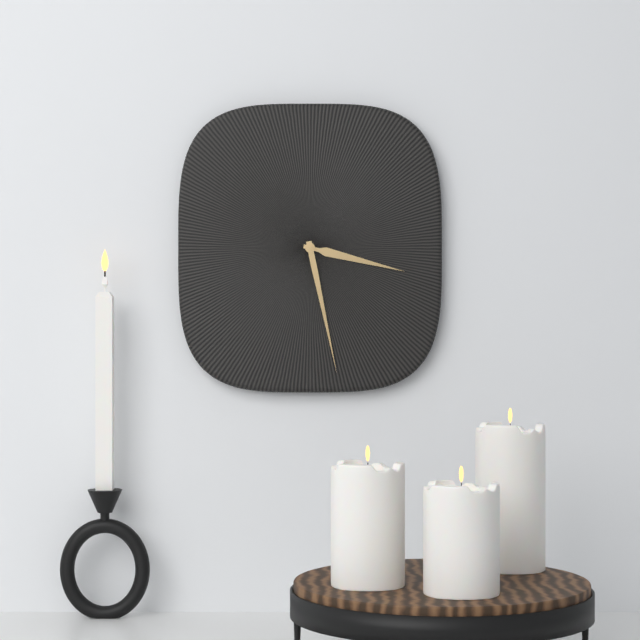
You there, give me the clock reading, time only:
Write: 3:28
